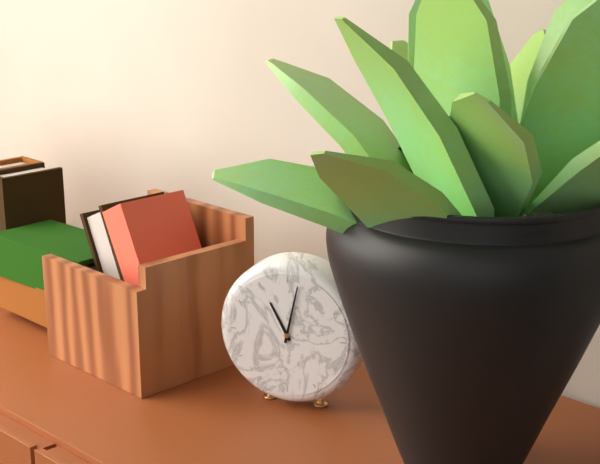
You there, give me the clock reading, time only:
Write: 11:02
